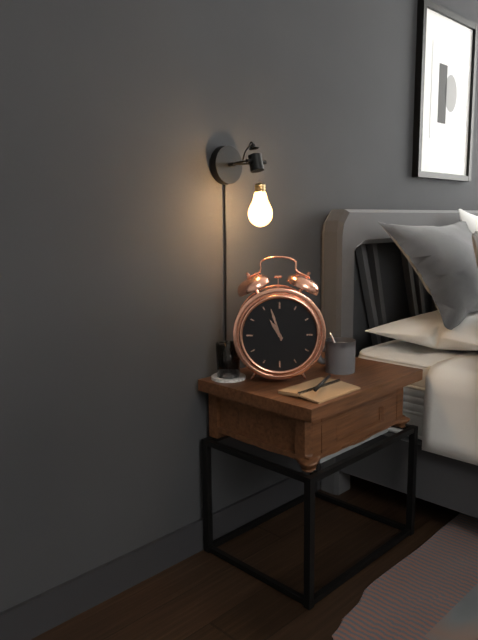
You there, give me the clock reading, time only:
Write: 10:57
